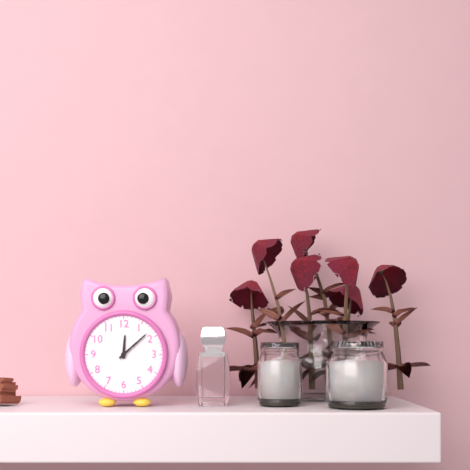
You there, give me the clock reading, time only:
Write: 12:08
